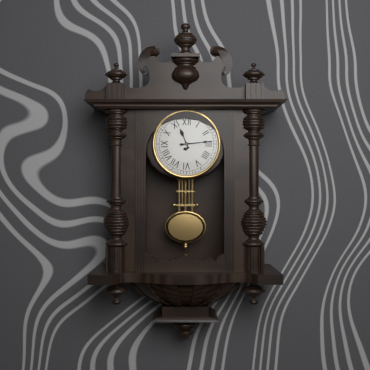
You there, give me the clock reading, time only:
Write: 11:14
